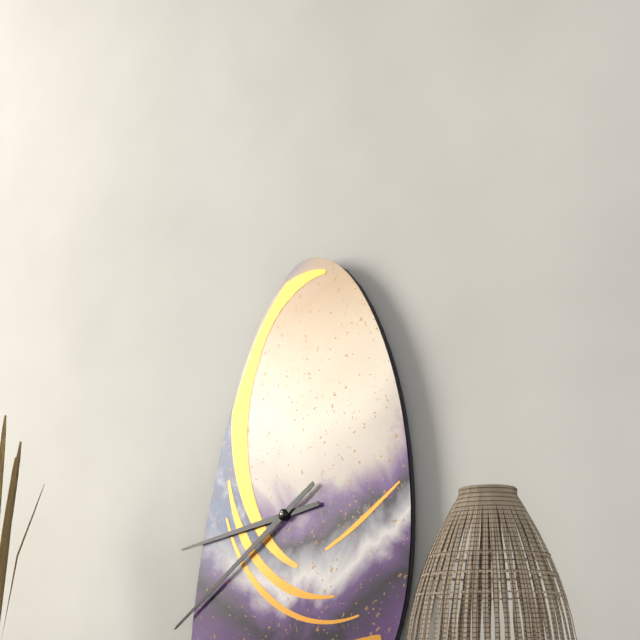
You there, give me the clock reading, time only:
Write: 8:39
